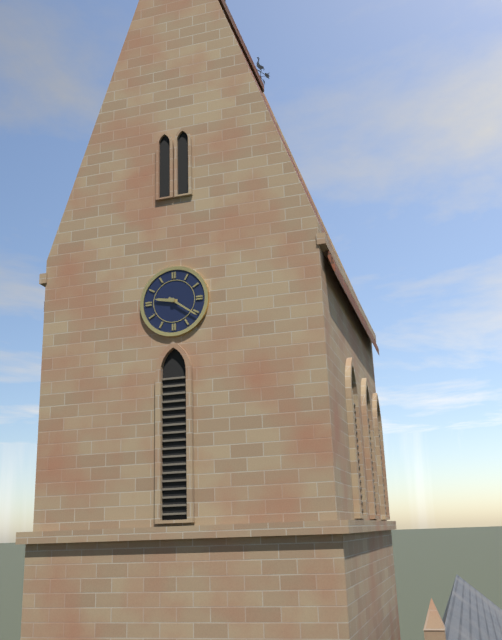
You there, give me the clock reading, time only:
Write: 9:21
